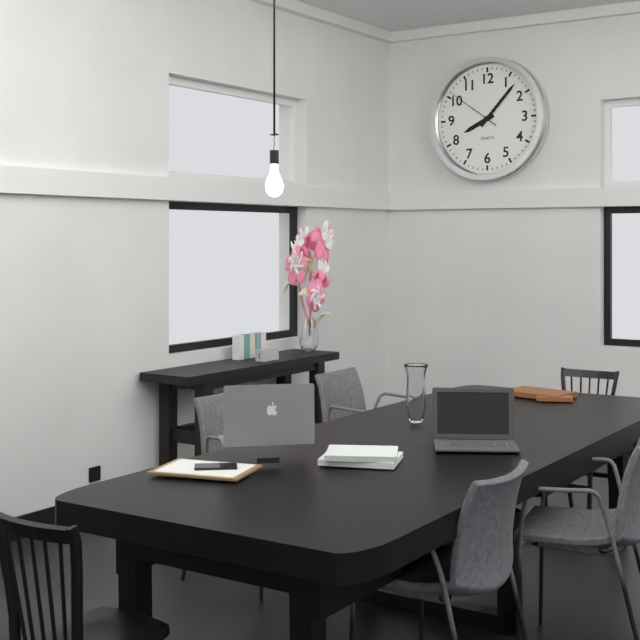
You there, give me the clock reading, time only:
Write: 8:07:51
